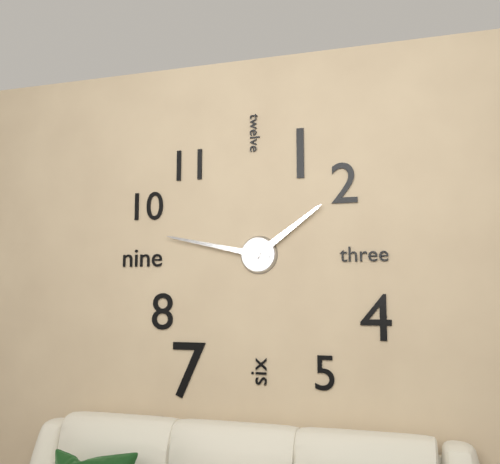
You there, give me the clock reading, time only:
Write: 1:47
